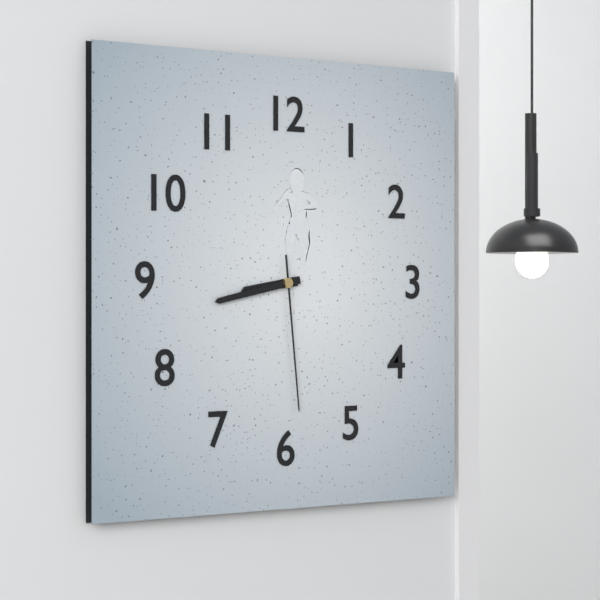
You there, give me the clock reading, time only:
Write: 8:43:29
